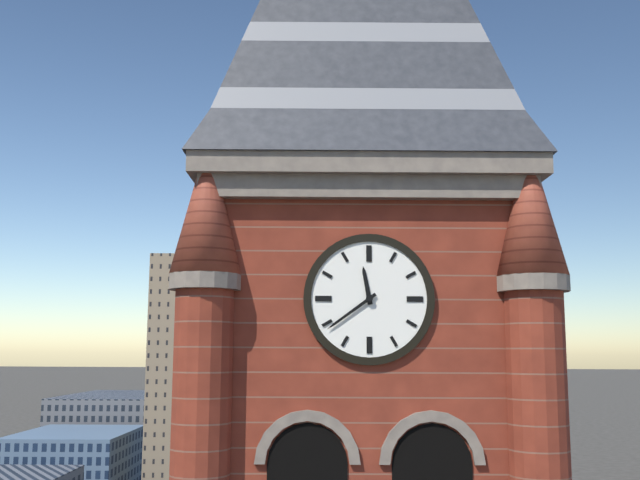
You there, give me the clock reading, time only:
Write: 11:39
